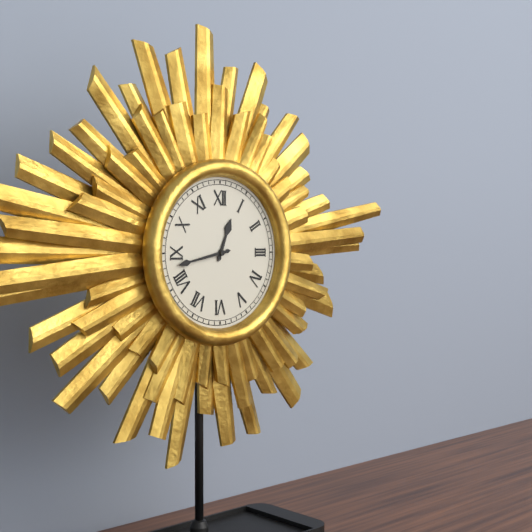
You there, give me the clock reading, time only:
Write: 12:43
